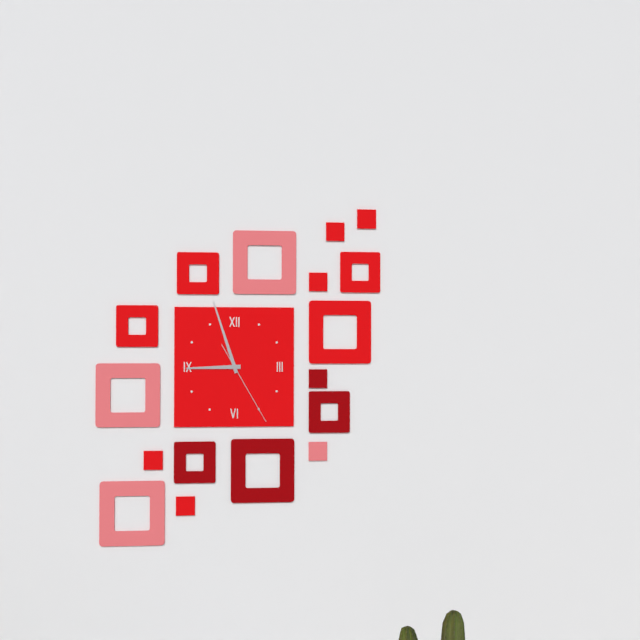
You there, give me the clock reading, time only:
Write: 8:57:25
